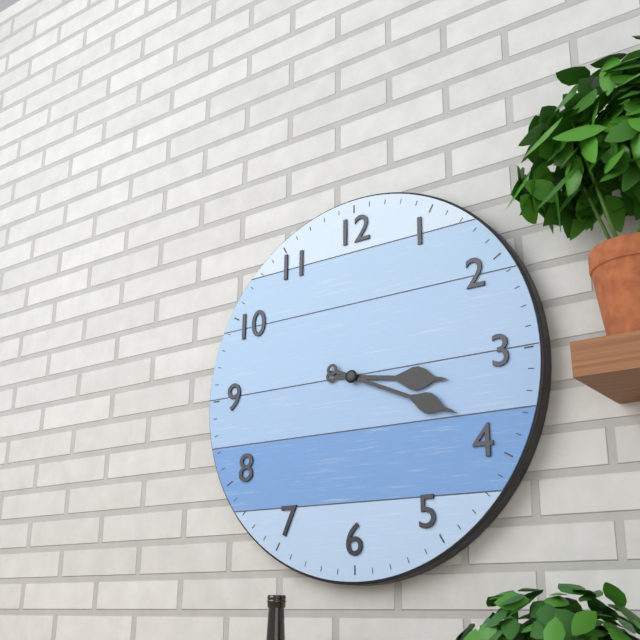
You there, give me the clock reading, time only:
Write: 3:19
